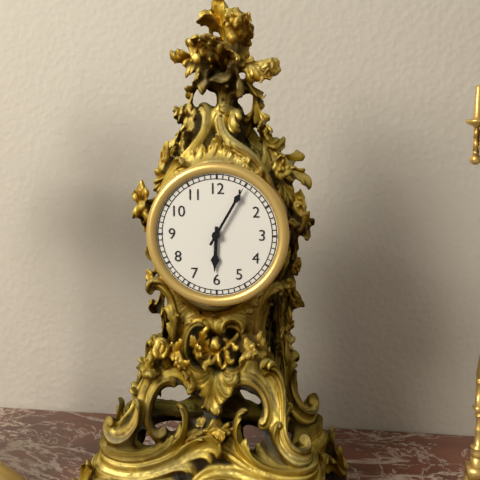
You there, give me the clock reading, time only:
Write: 6:05
